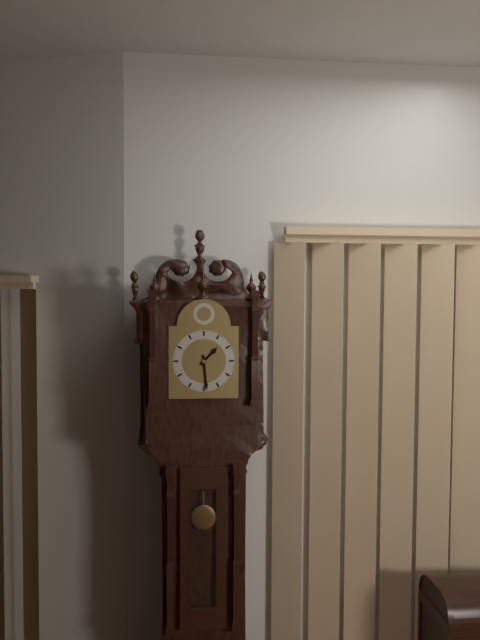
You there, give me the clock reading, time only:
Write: 1:29
